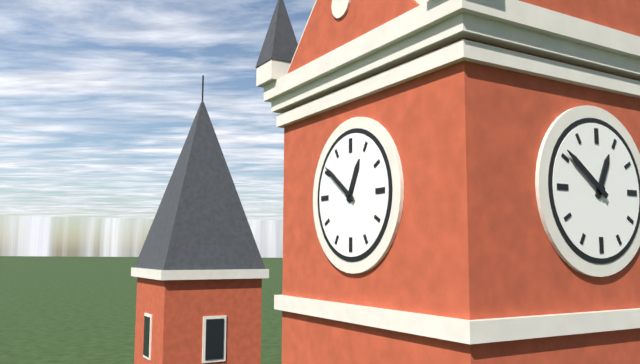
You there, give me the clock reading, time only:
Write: 12:51
